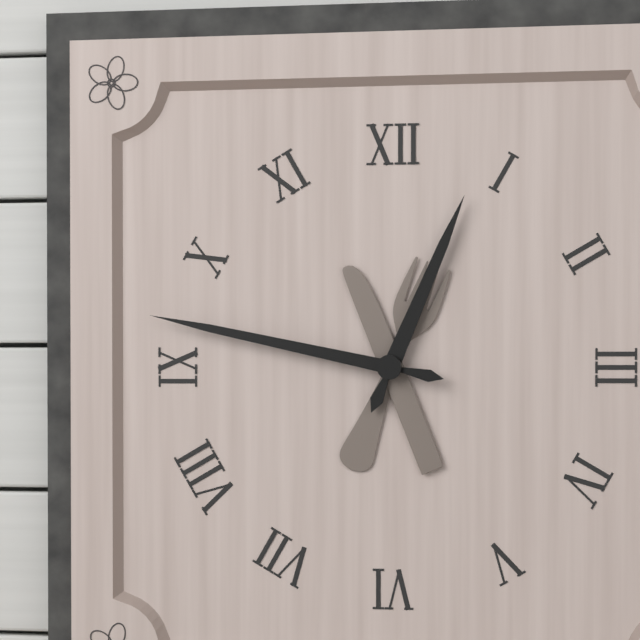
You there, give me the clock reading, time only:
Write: 12:47
